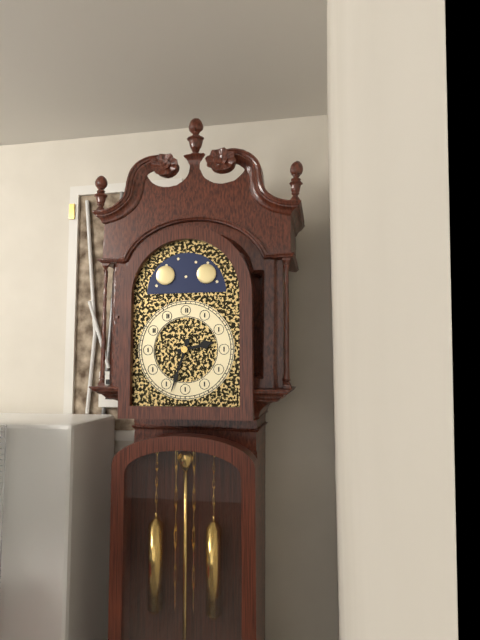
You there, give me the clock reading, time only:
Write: 2:33
